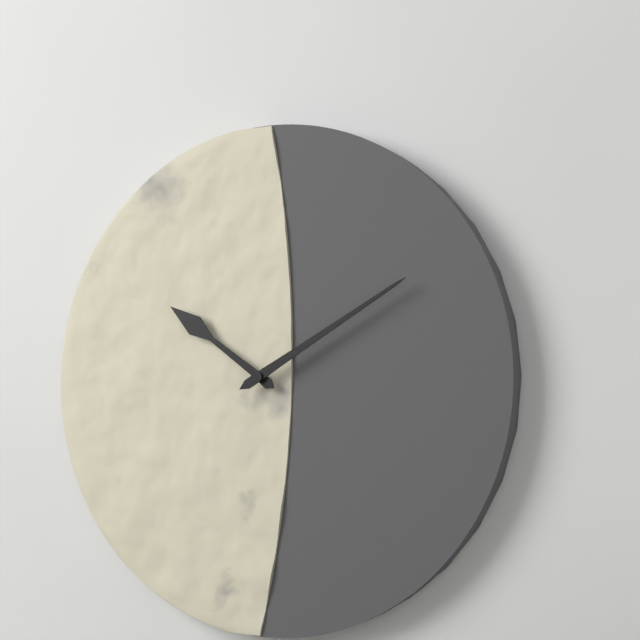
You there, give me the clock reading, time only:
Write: 10:10
